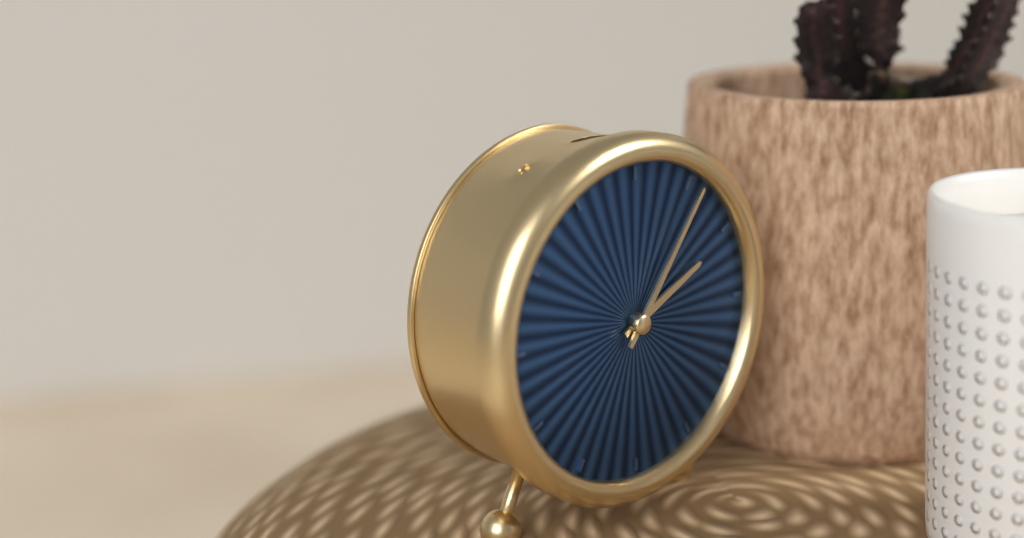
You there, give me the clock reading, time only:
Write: 2:06
